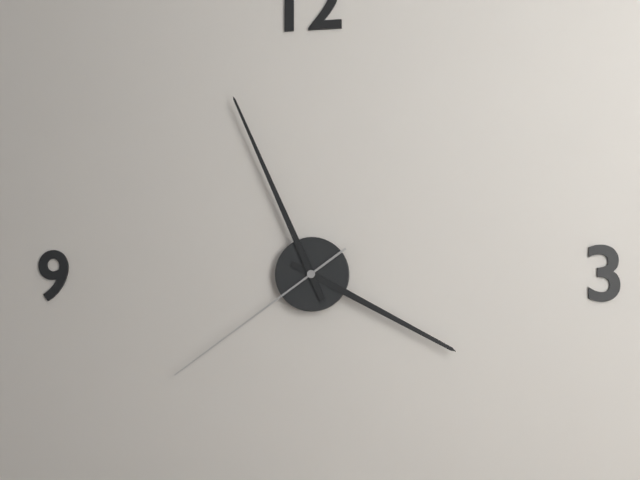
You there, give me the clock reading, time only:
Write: 3:56:39
